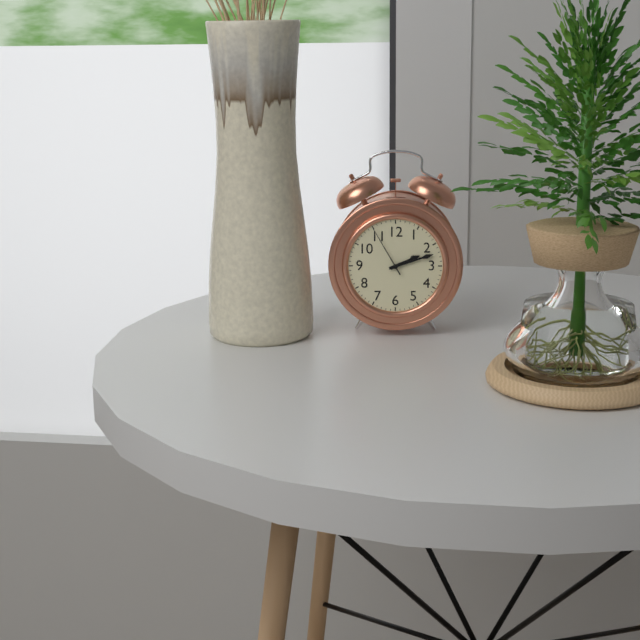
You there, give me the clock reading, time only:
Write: 2:12:55
